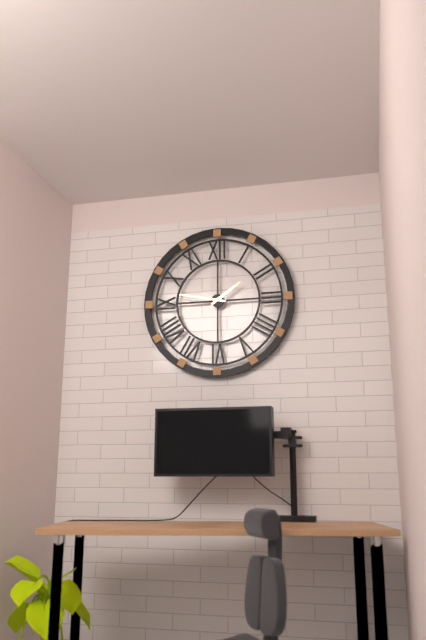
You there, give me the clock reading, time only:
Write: 1:47
